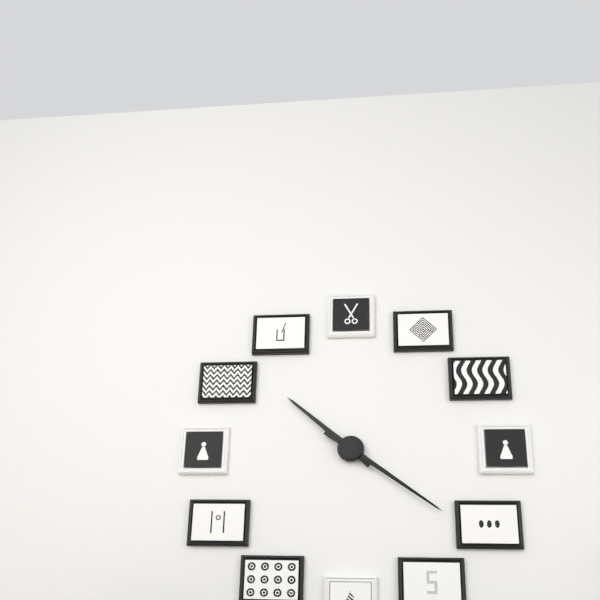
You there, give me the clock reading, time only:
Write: 10:21
